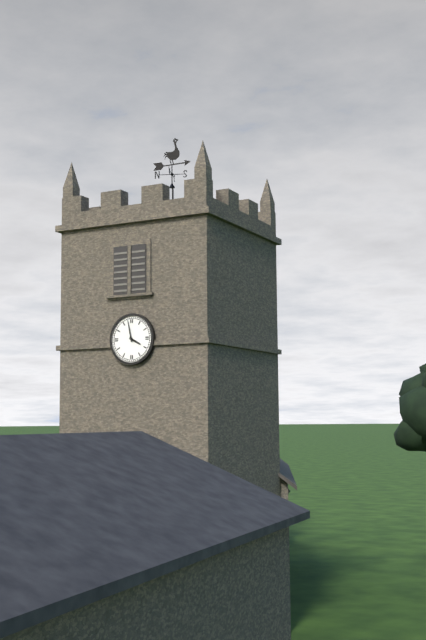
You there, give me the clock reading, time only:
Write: 3:58
